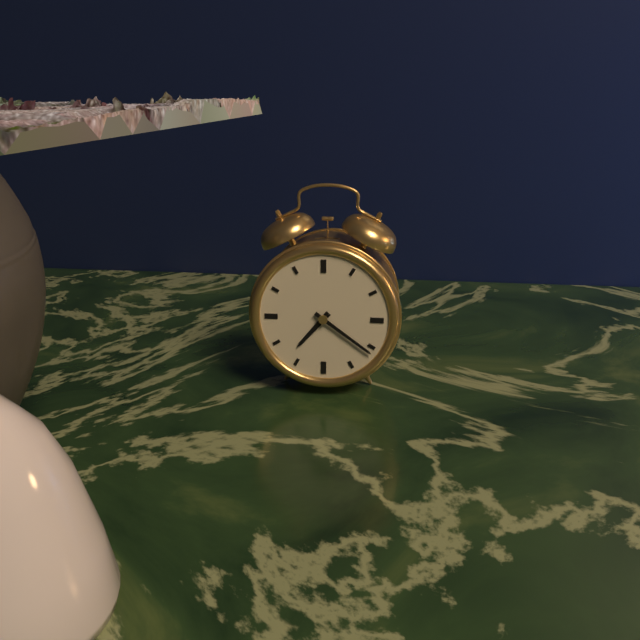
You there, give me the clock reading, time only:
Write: 7:21
